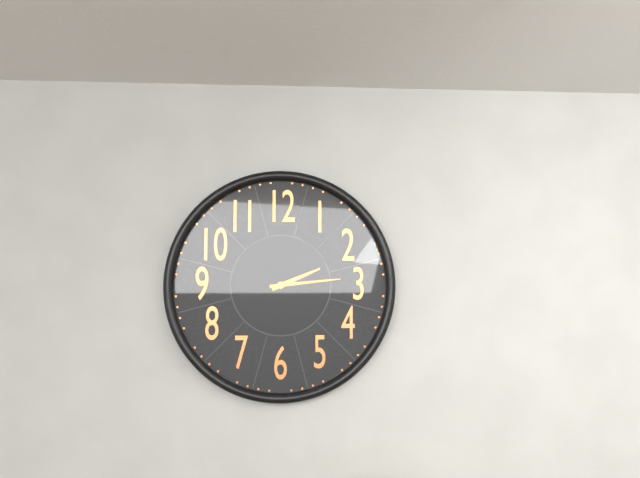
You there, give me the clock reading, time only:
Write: 2:14
